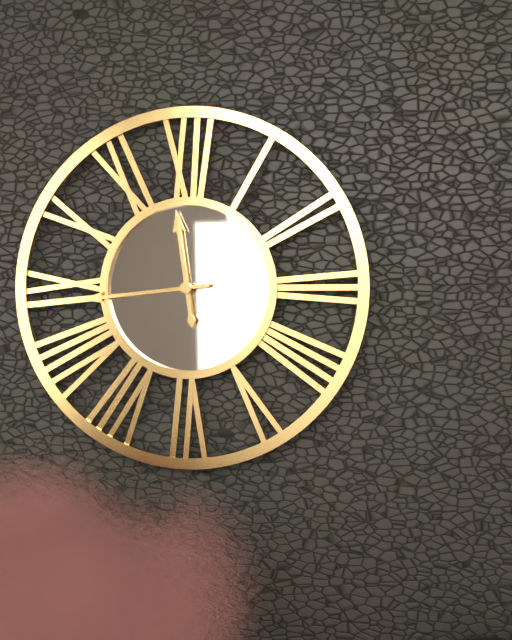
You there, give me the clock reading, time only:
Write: 11:44
